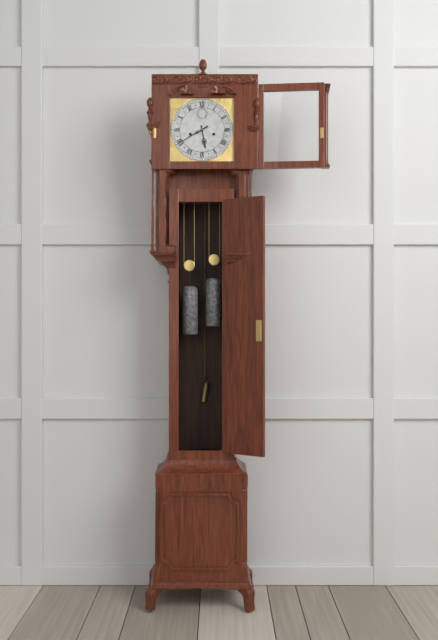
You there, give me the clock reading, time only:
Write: 5:40
